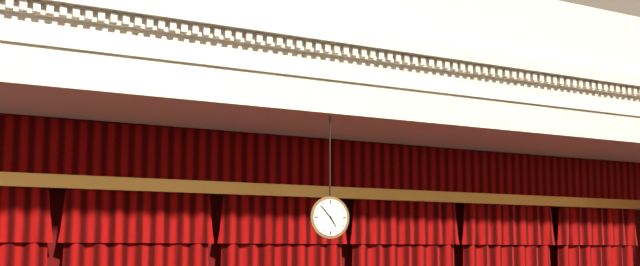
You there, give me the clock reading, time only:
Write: 4:53
